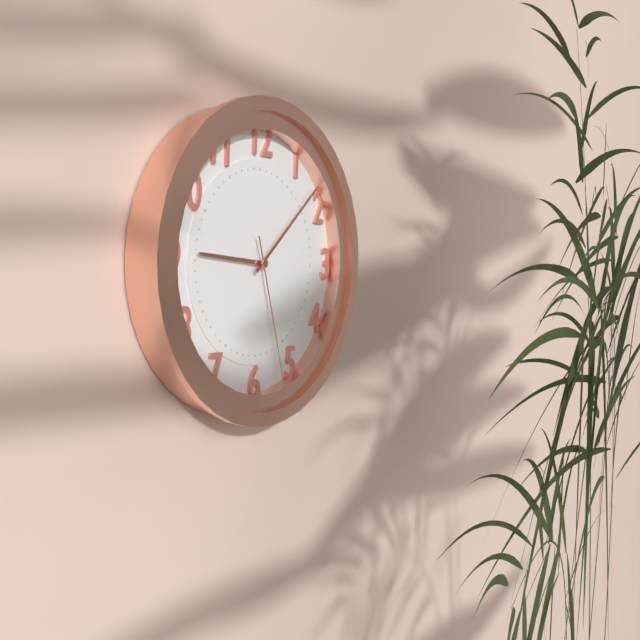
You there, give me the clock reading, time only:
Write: 9:08:27
